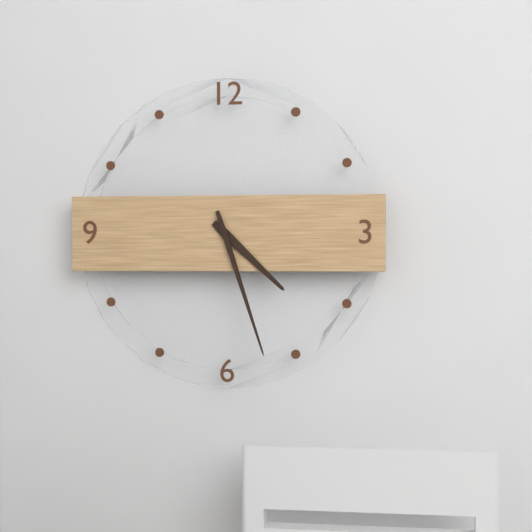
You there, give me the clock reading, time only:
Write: 4:27
